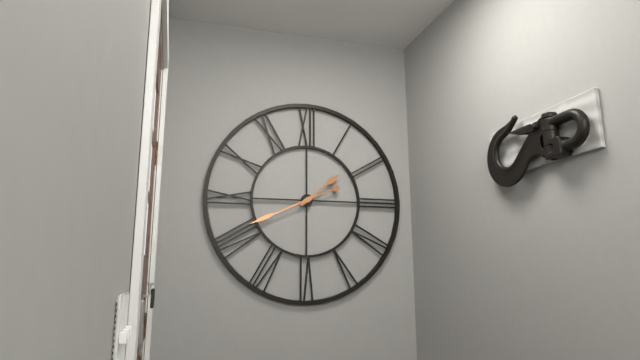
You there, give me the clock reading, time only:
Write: 1:41
